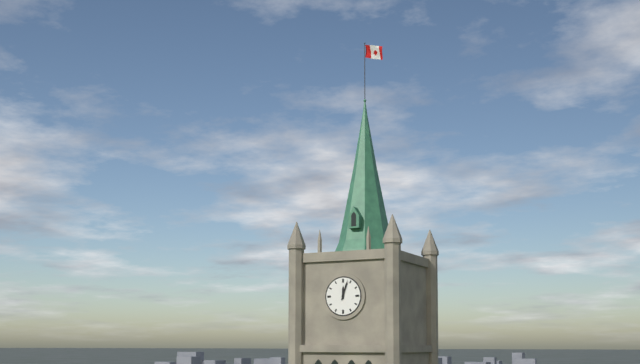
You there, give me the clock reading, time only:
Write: 12:03
